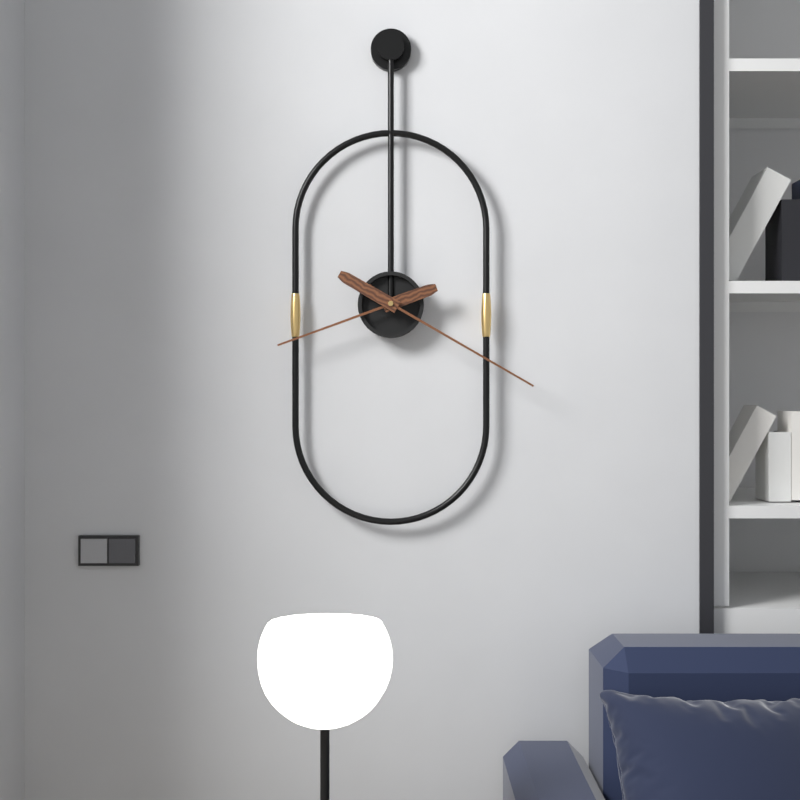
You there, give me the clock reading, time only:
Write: 8:20
